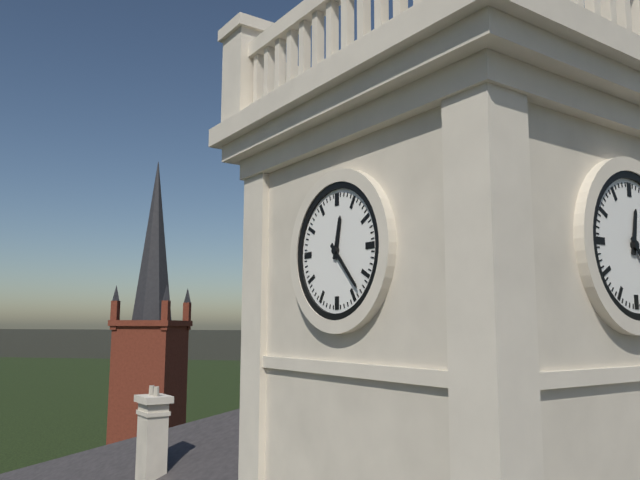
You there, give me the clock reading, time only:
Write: 12:23
